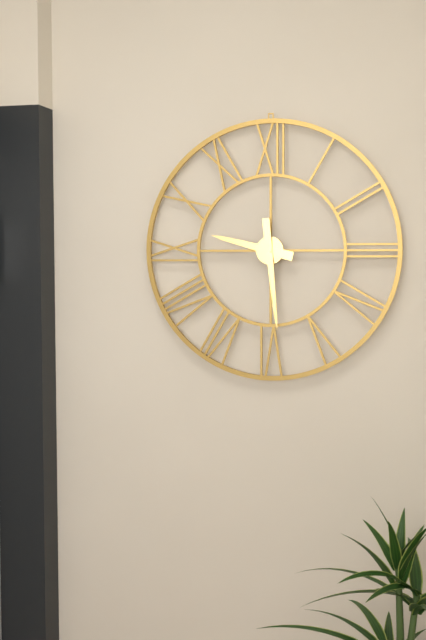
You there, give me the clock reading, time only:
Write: 9:29
